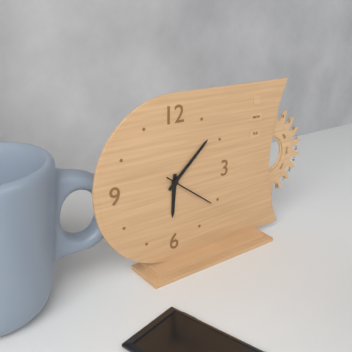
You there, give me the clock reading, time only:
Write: 6:08:21
